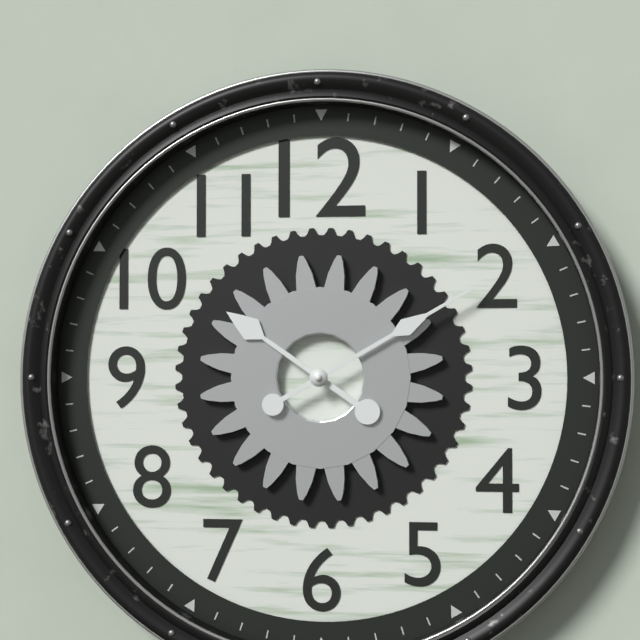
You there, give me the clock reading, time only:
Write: 10:10
